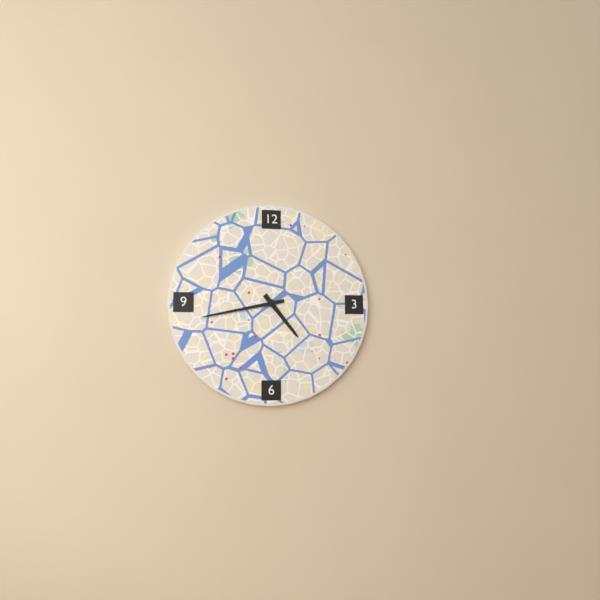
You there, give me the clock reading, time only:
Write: 4:43
